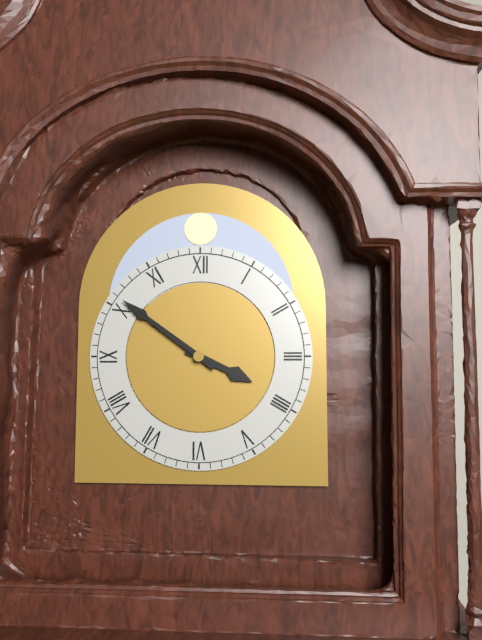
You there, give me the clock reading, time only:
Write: 3:51
